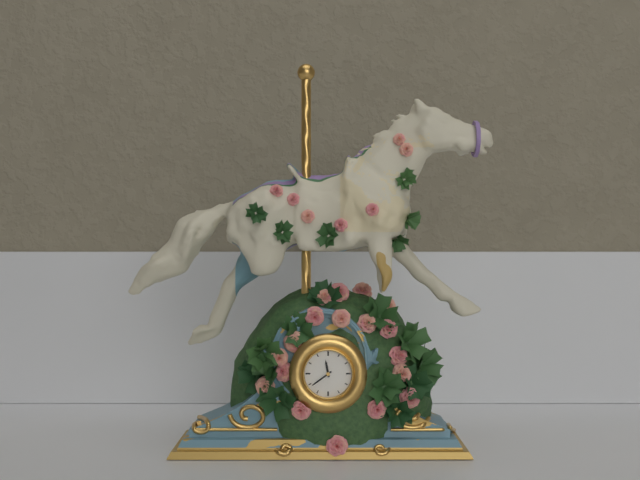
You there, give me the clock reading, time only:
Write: 11:39
